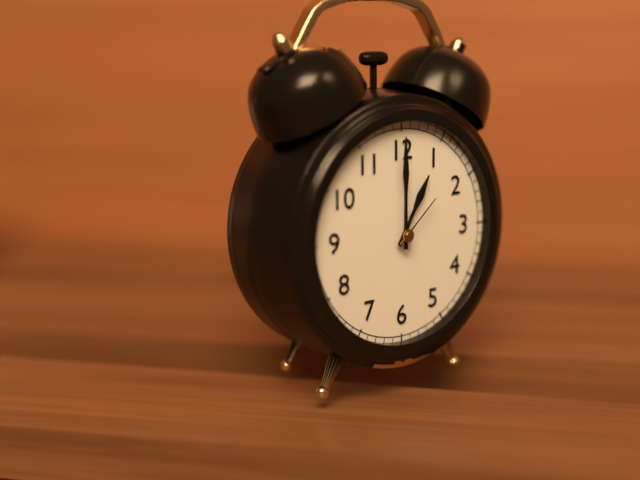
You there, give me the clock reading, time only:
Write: 1:00:08
